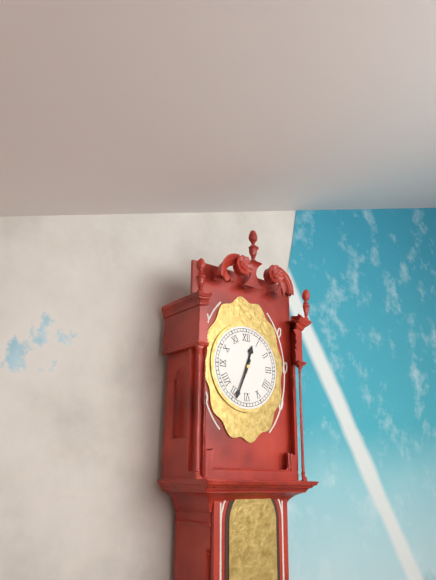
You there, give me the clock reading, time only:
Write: 12:34
